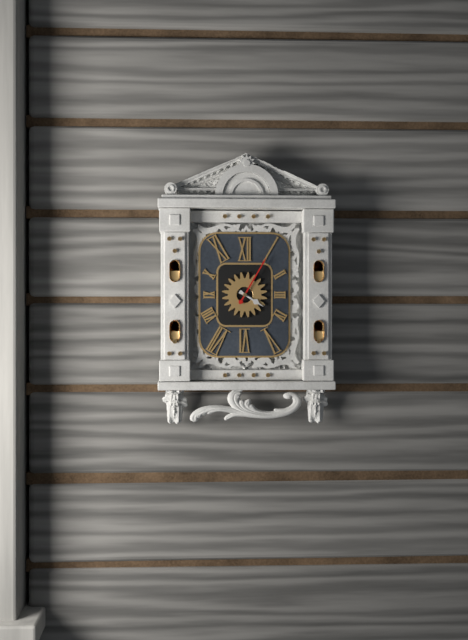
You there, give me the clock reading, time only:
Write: 4:05
